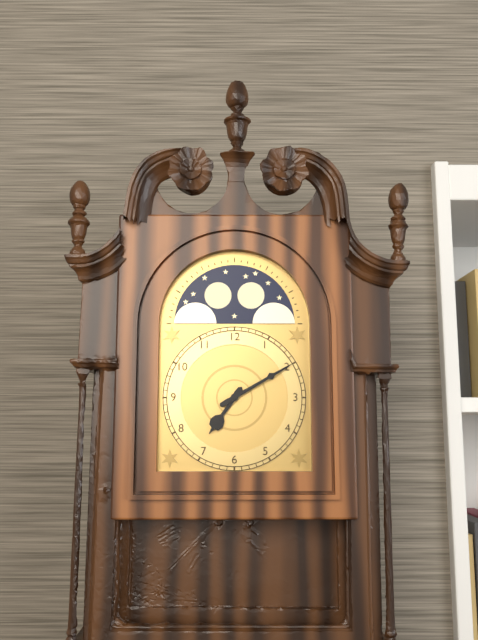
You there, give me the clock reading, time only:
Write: 7:10
